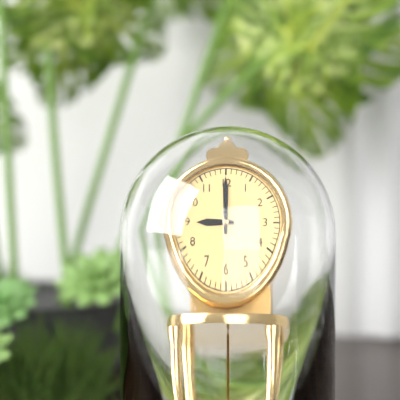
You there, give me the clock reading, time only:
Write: 9:00
